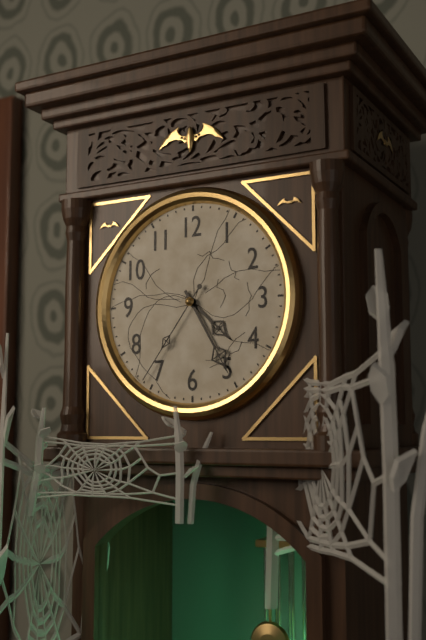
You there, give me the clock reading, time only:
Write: 4:25:36
